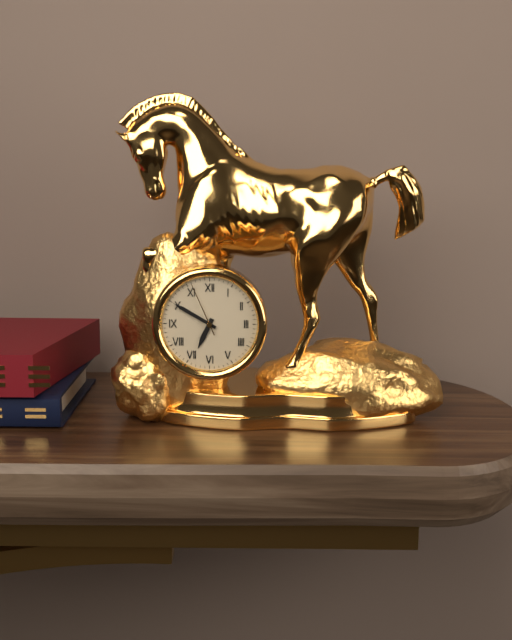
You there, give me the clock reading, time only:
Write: 6:50:56
